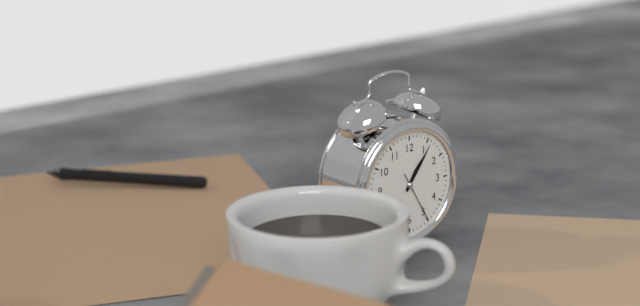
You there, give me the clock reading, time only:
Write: 1:06
